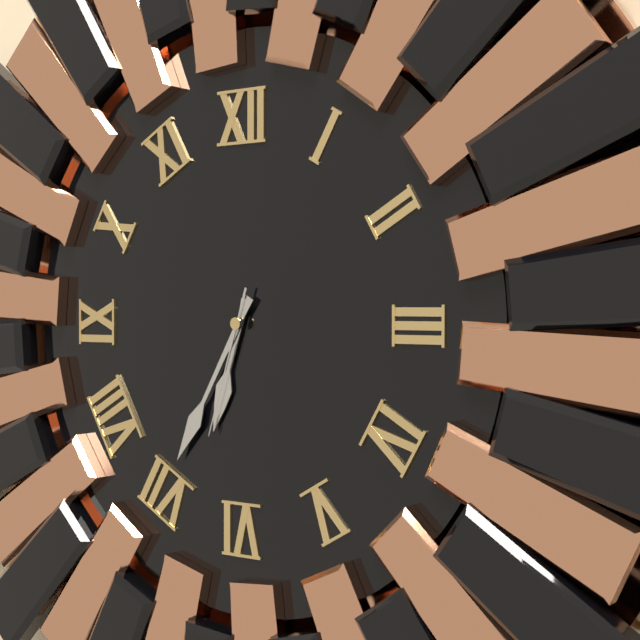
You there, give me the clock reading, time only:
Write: 6:35:33
